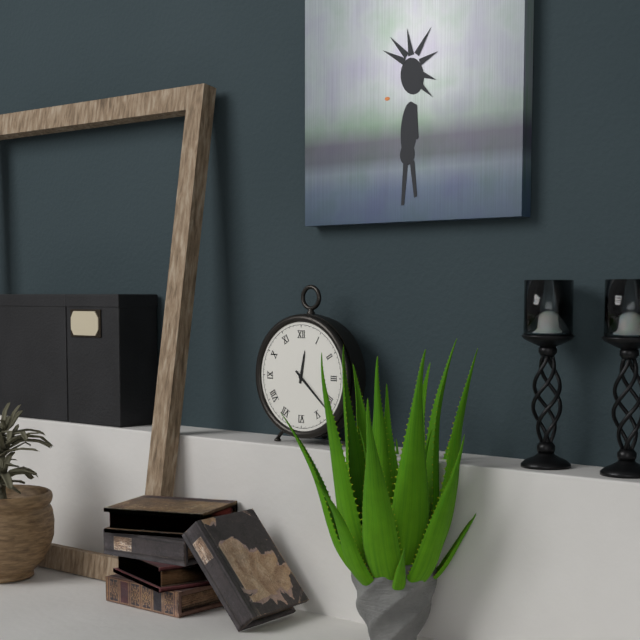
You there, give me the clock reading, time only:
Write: 12:22
